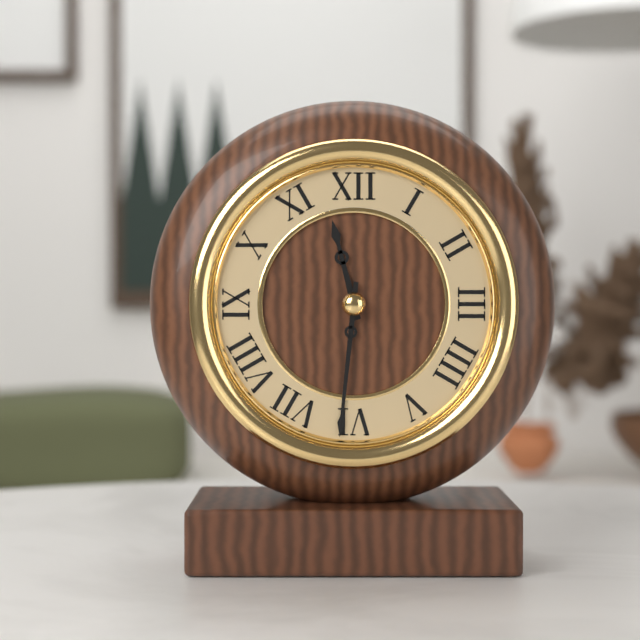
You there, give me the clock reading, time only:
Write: 11:31
